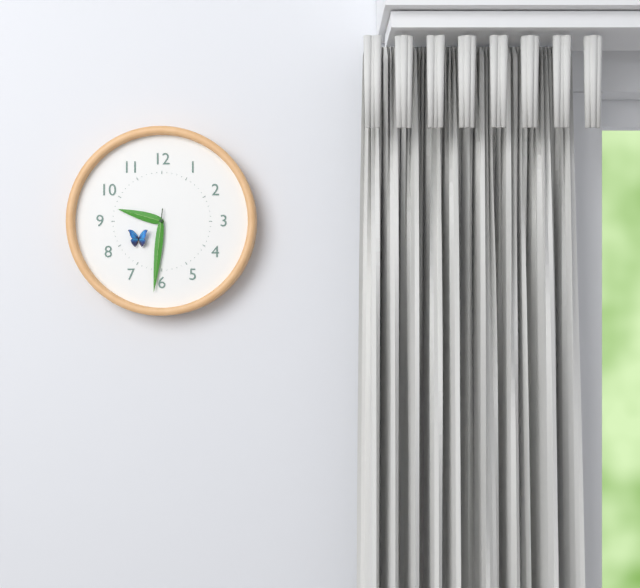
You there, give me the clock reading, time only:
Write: 9:31
